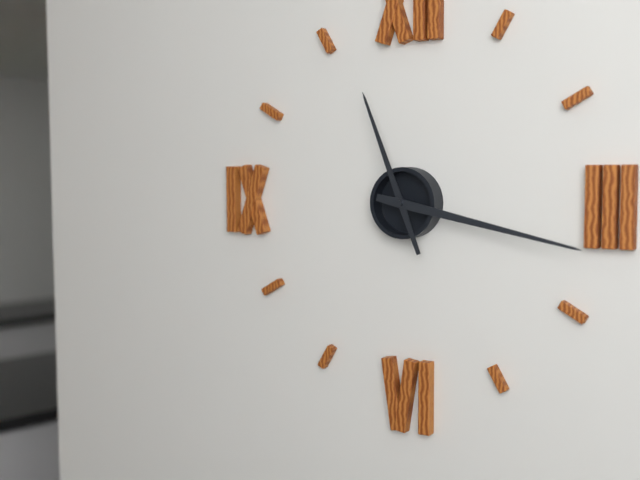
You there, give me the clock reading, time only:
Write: 11:17
